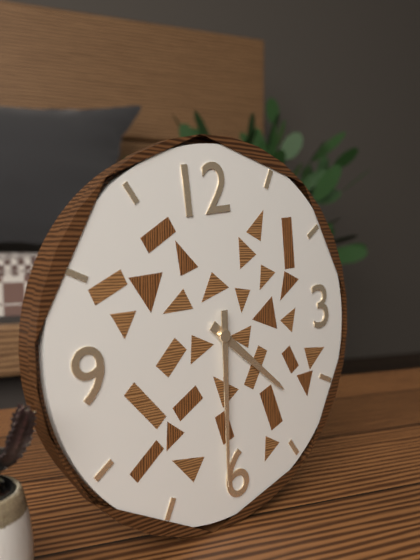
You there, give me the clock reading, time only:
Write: 4:31
